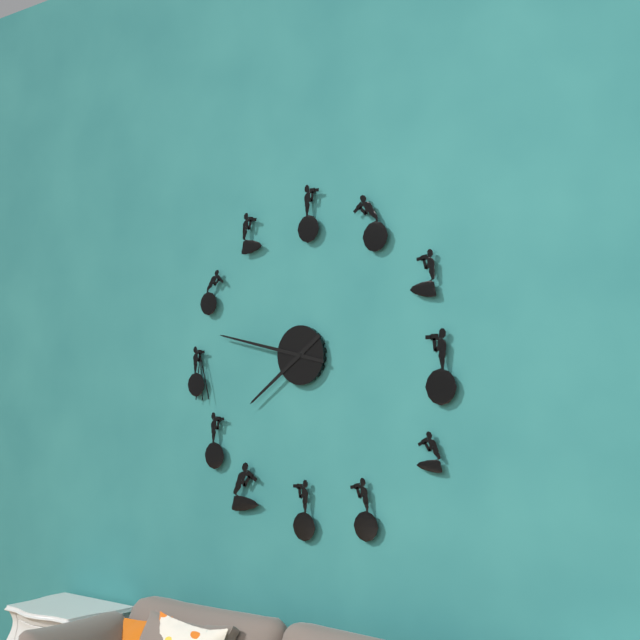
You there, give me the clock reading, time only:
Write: 7:47
